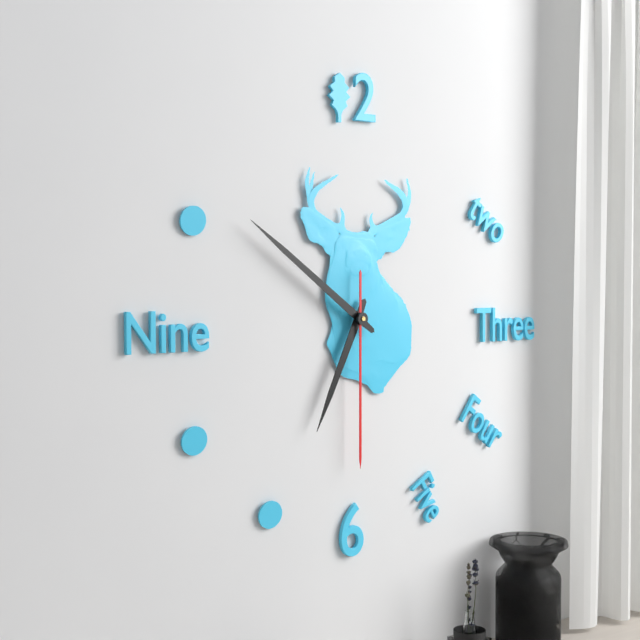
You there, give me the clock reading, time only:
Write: 6:51:30
